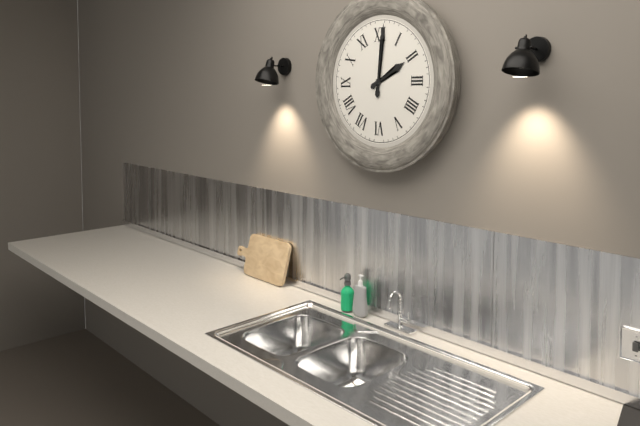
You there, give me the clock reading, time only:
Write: 2:01
